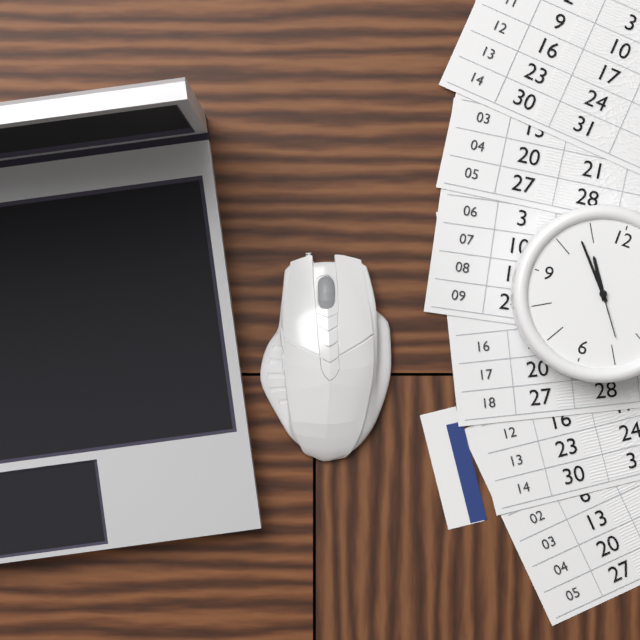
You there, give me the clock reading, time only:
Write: 10:53:24
